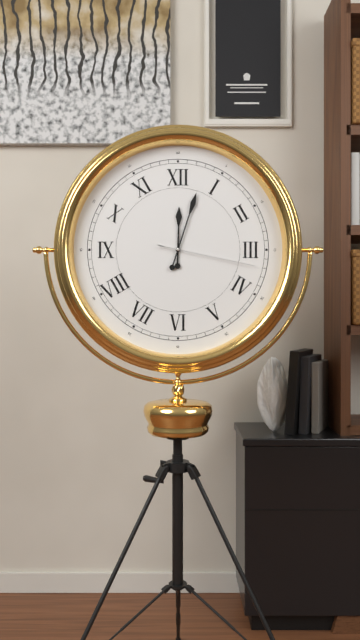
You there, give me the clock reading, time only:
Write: 12:03:17
